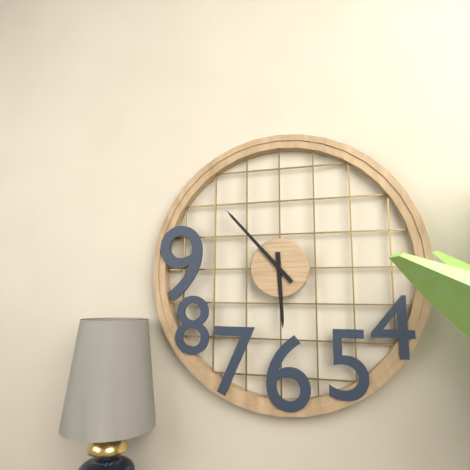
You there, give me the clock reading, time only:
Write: 5:53
